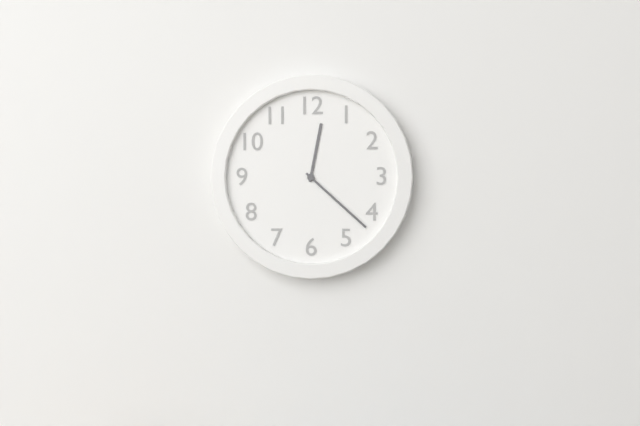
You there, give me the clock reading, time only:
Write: 12:22
